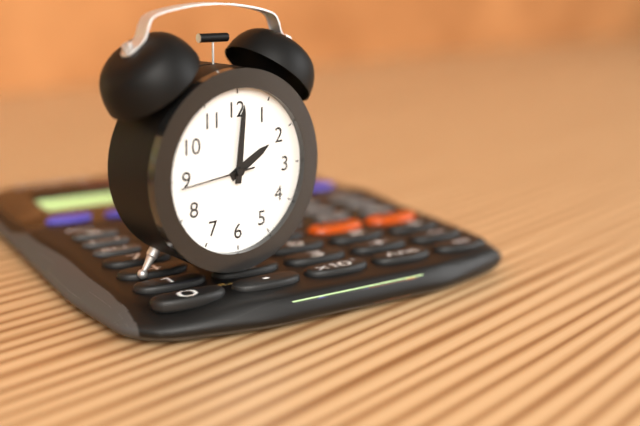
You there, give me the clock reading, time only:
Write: 2:01:44
